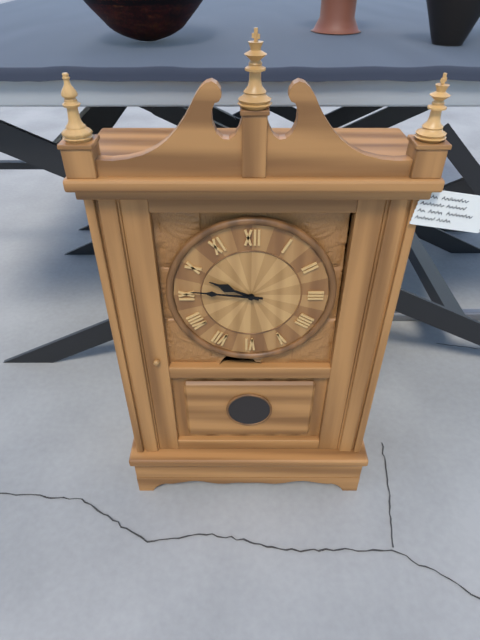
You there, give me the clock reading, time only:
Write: 9:46
